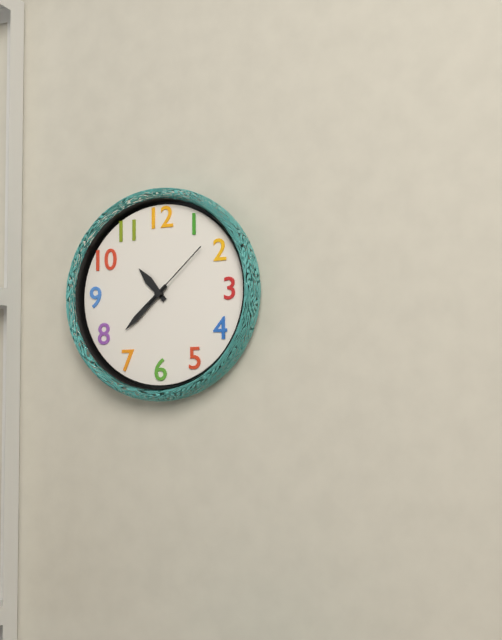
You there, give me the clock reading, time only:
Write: 10:38:08
